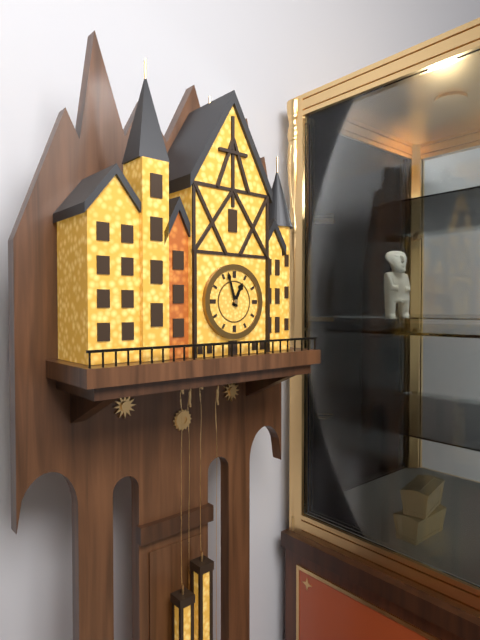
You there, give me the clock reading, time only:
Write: 12:57
